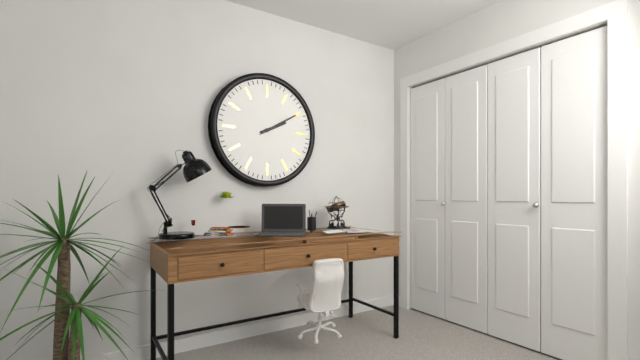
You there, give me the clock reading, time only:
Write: 2:10
